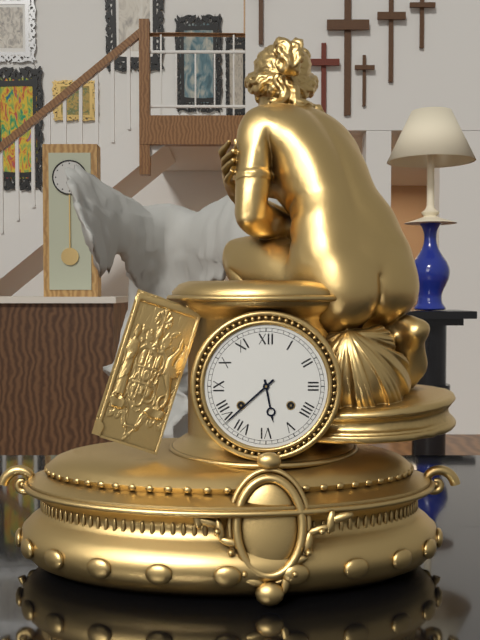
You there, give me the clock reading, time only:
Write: 5:38
